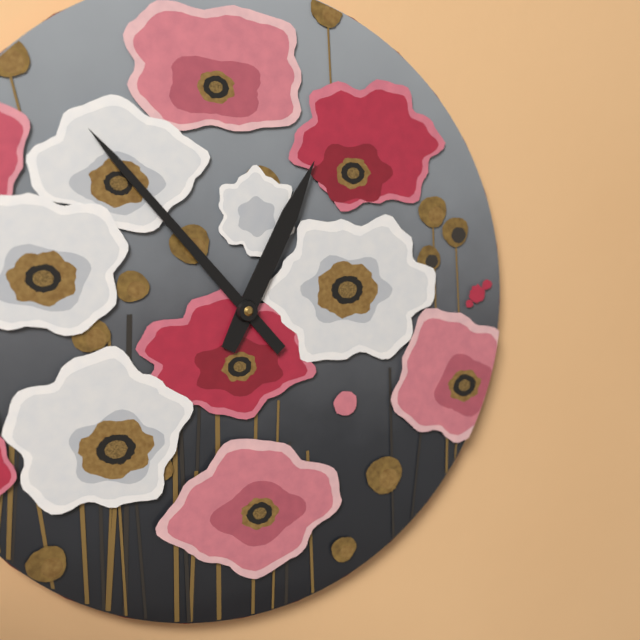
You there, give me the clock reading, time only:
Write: 12:53
